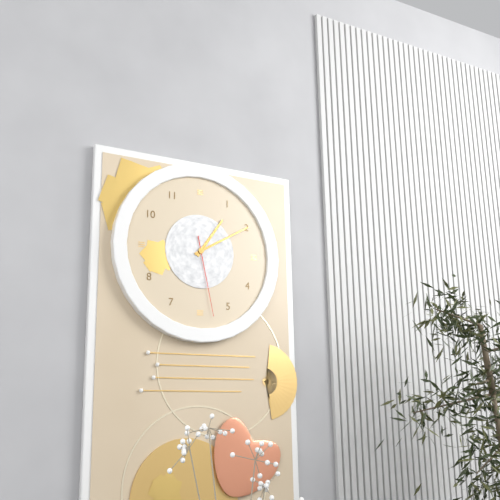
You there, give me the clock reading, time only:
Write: 1:10:28
